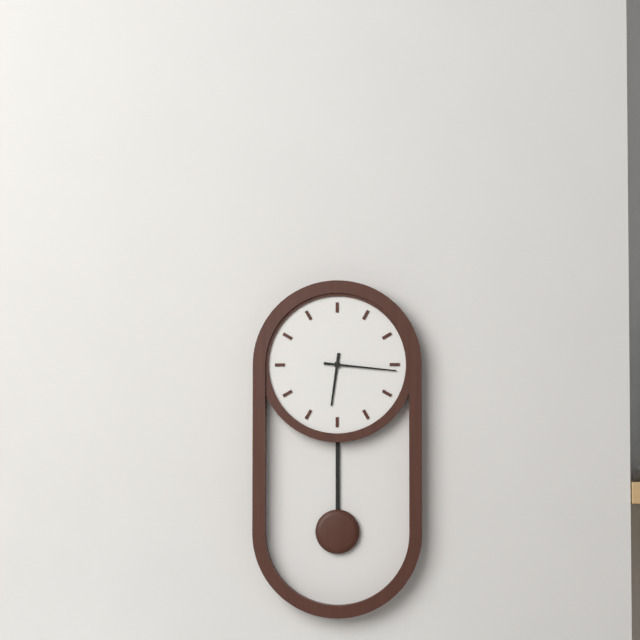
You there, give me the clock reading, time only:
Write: 6:16
